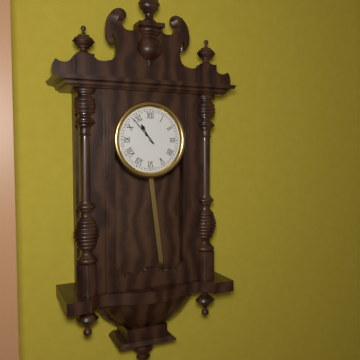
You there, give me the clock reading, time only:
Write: 10:53
